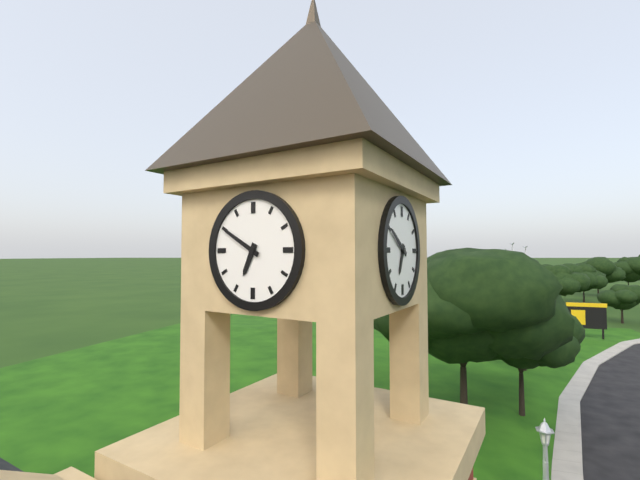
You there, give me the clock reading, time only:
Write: 6:50
